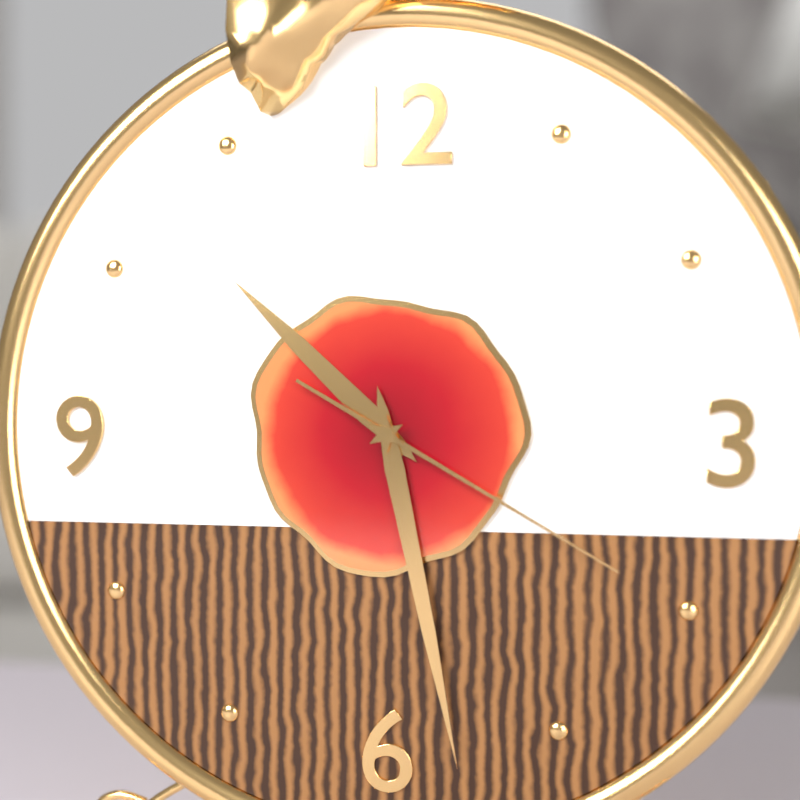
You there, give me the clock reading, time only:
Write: 10:28:20
